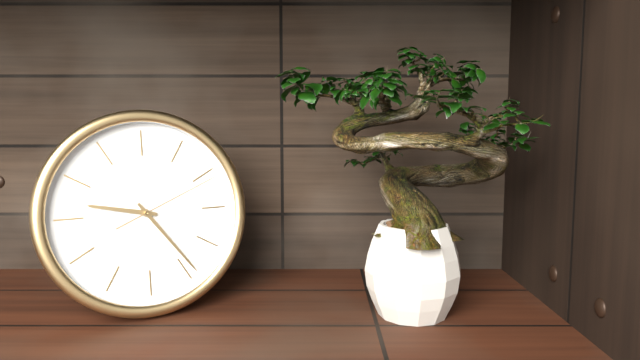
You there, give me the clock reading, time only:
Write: 9:24:11
